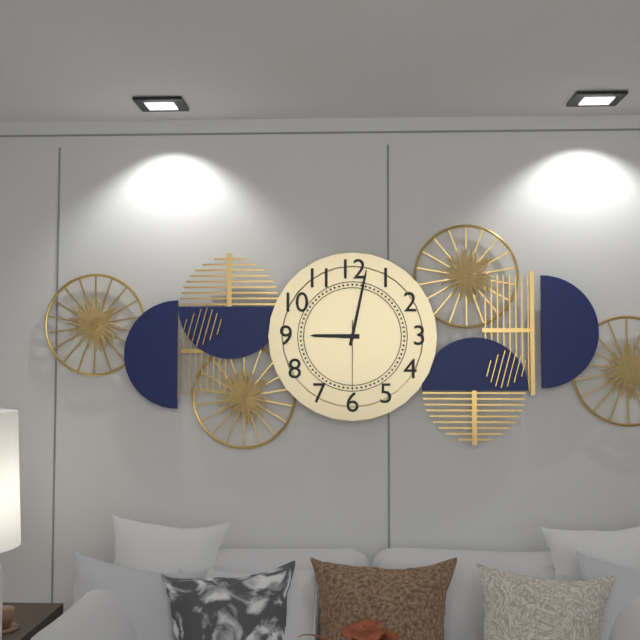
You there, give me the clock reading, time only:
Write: 9:02:30
